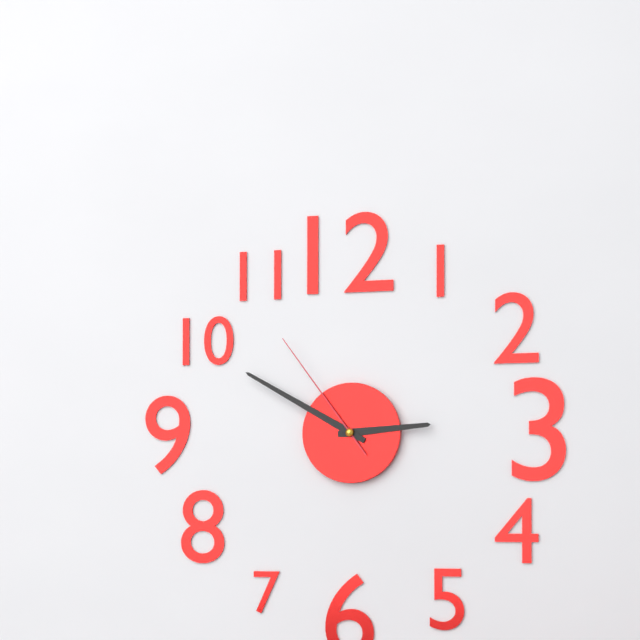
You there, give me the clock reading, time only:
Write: 2:50:54
